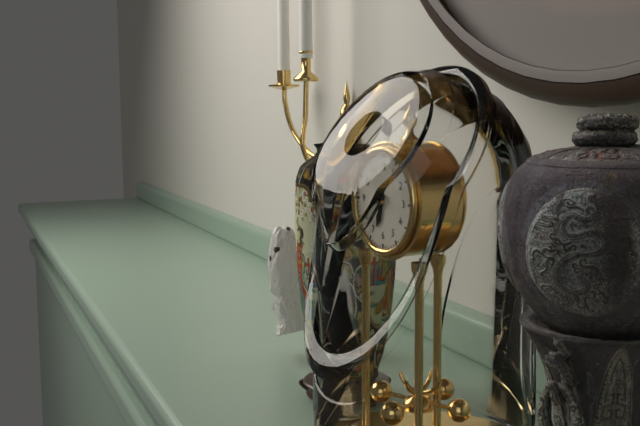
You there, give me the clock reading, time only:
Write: 6:37
